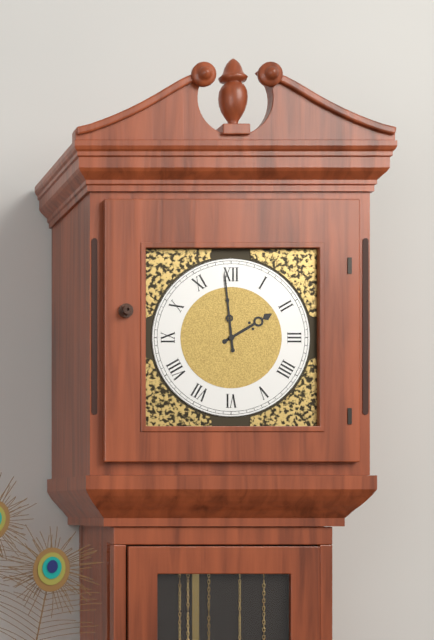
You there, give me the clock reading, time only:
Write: 1:59
